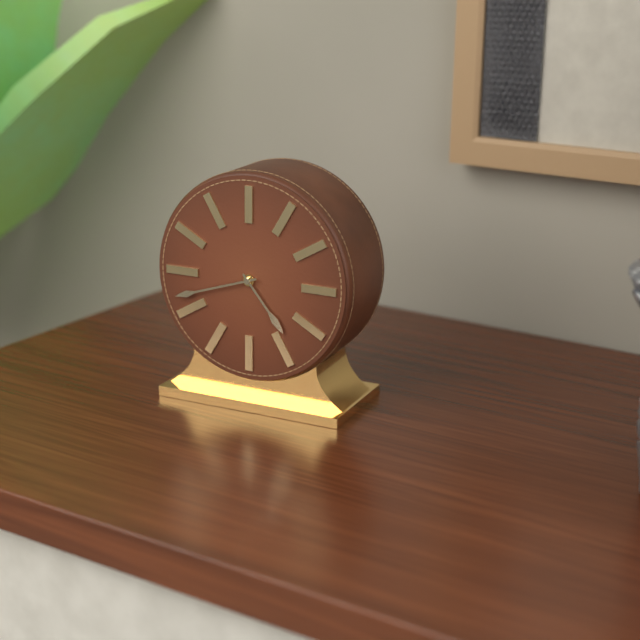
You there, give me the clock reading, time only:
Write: 4:42
